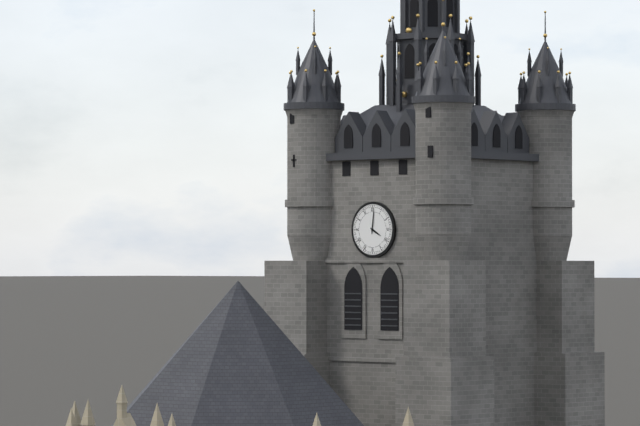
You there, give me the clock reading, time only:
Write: 4:01
